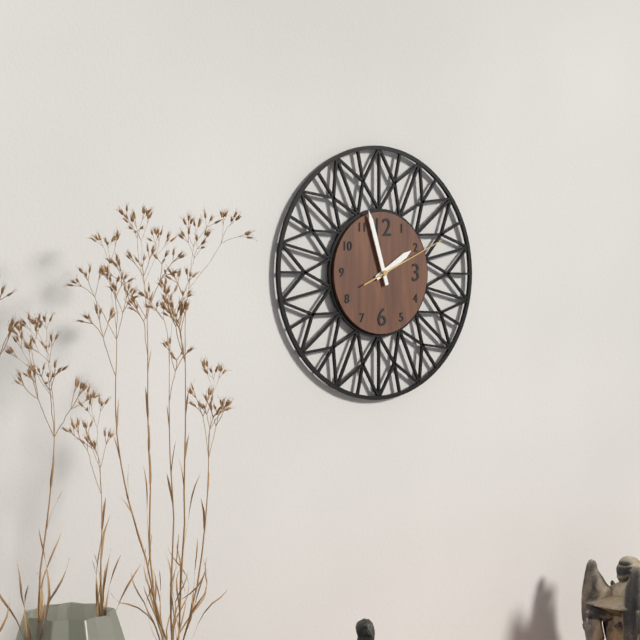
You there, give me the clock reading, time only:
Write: 1:57:11
